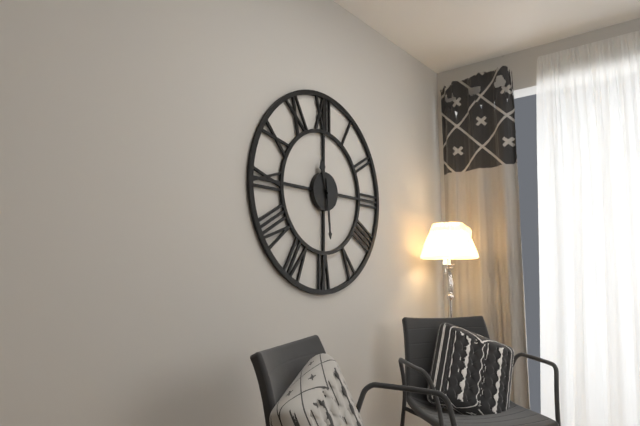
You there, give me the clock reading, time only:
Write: 11:29
